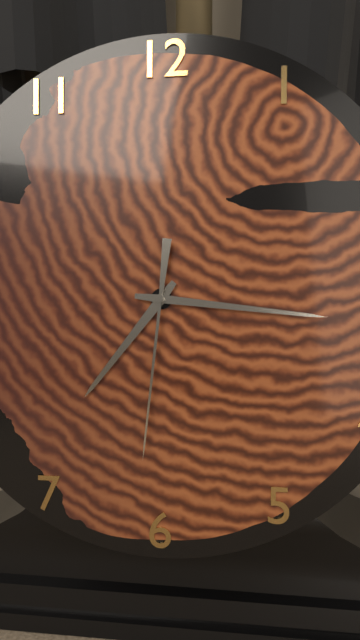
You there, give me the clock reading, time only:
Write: 7:16:31
